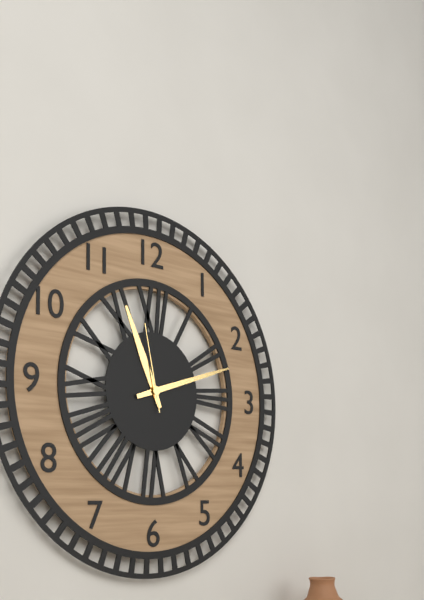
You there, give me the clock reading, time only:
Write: 11:12:58
